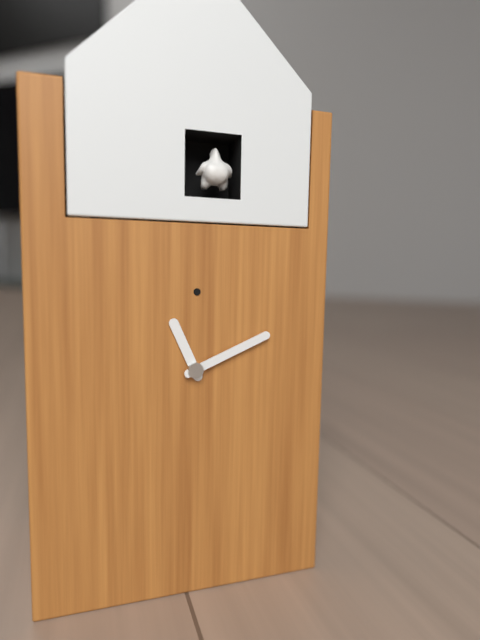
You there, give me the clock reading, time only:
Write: 11:11
